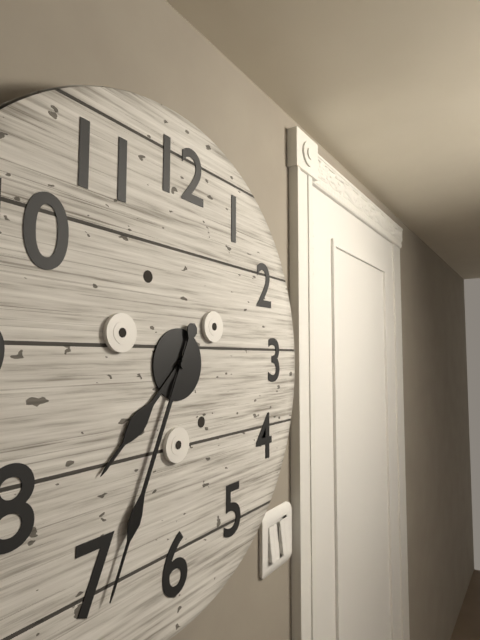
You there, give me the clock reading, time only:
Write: 7:34
